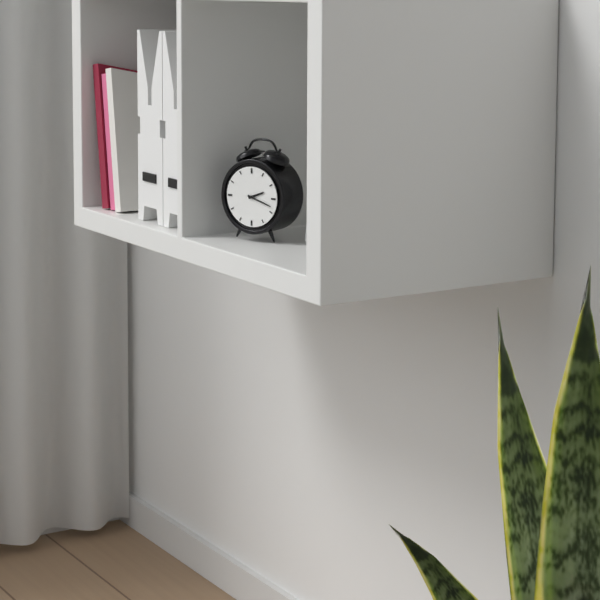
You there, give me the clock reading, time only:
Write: 2:18
